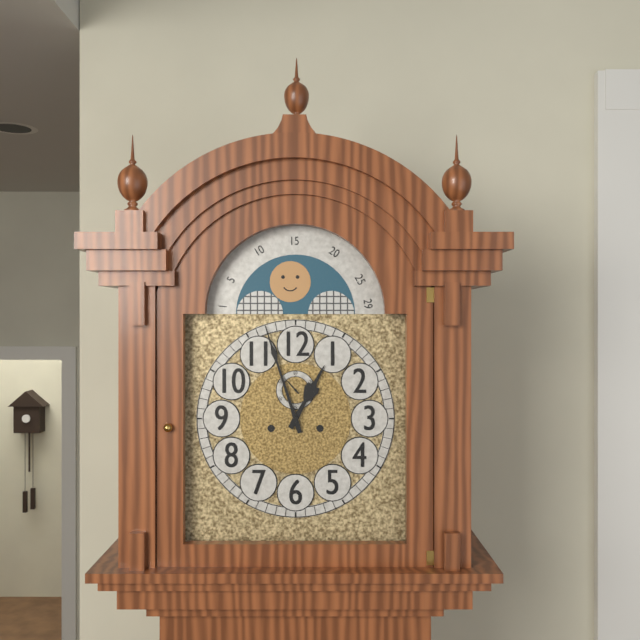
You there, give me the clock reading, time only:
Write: 12:57
